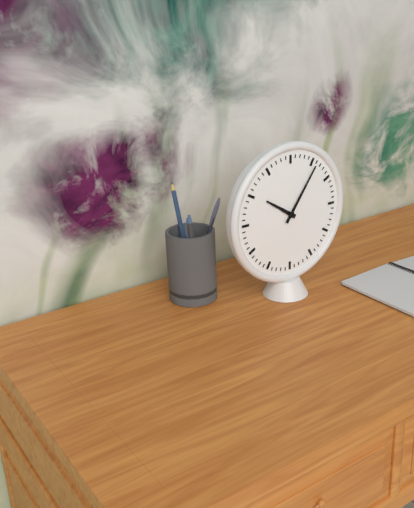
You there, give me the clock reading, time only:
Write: 10:06
